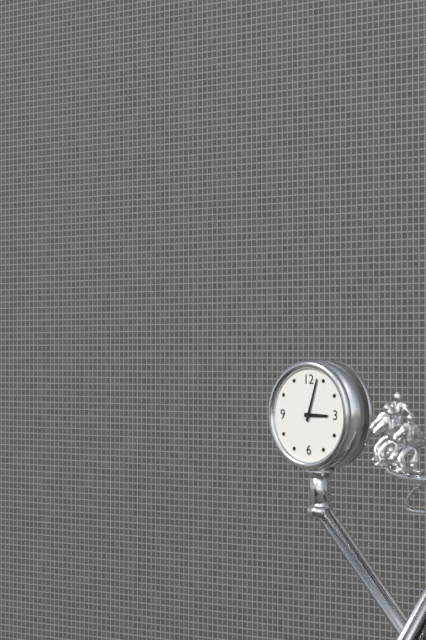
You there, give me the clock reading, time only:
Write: 3:03
